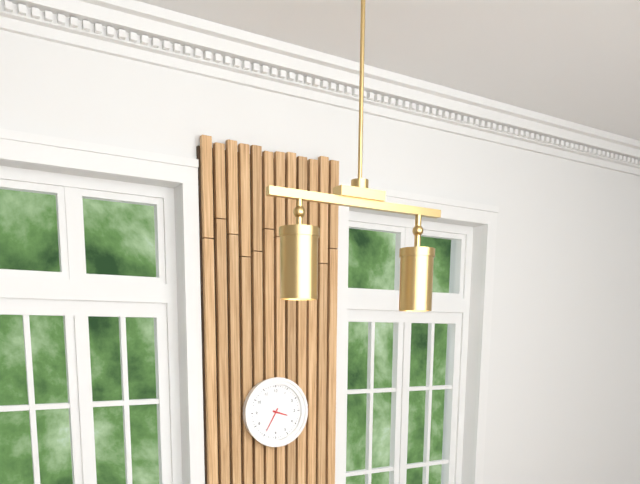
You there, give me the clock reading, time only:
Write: 3:35
